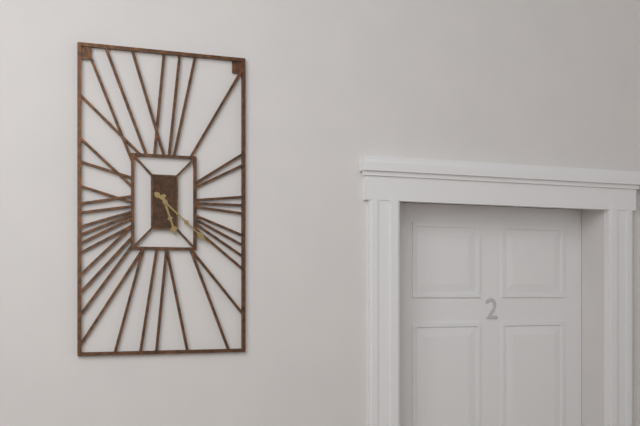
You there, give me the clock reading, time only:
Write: 5:22
